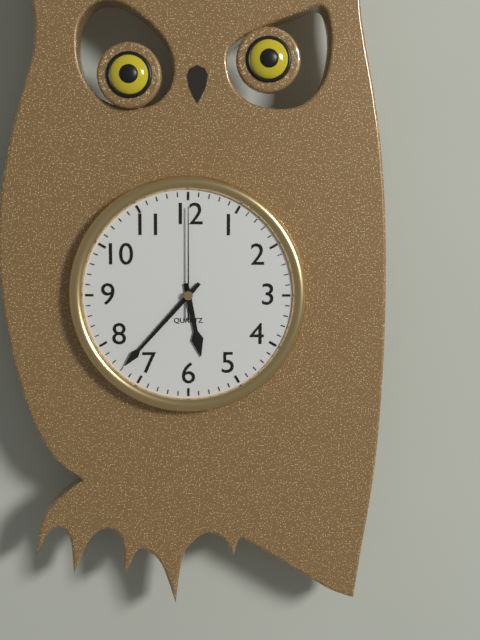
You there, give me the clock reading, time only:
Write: 5:37:00
